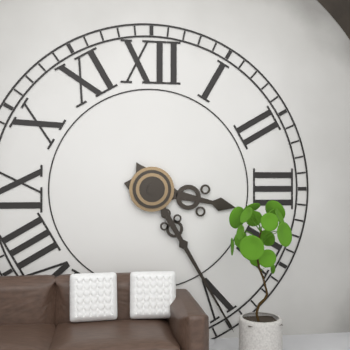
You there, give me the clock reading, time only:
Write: 3:25
